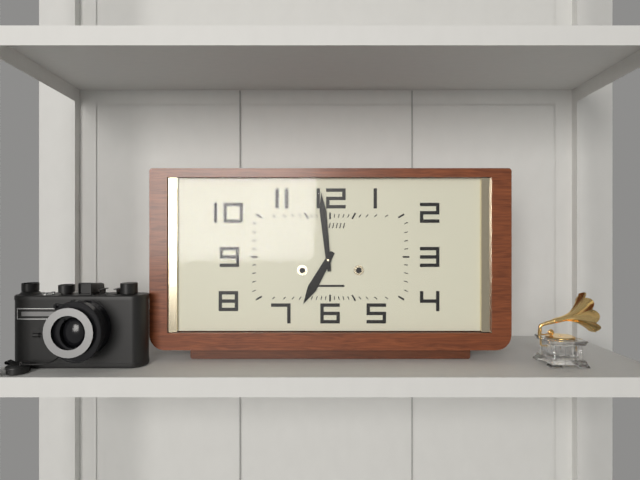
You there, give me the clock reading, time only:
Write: 6:59
